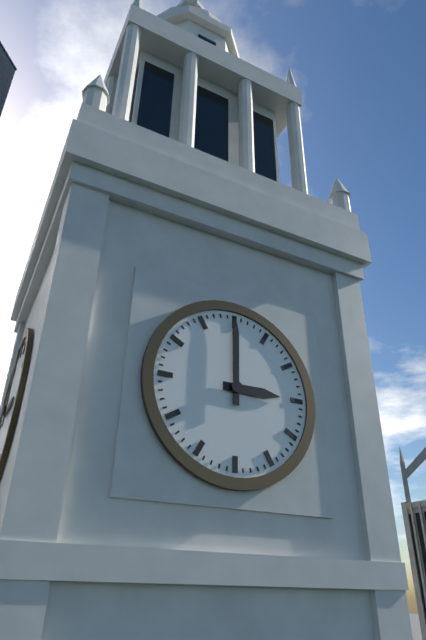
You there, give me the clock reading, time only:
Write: 3:00
